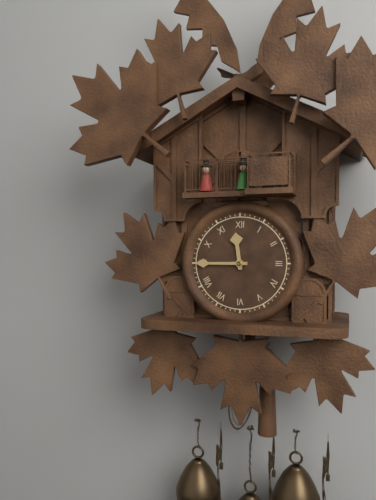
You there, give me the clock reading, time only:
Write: 11:45
